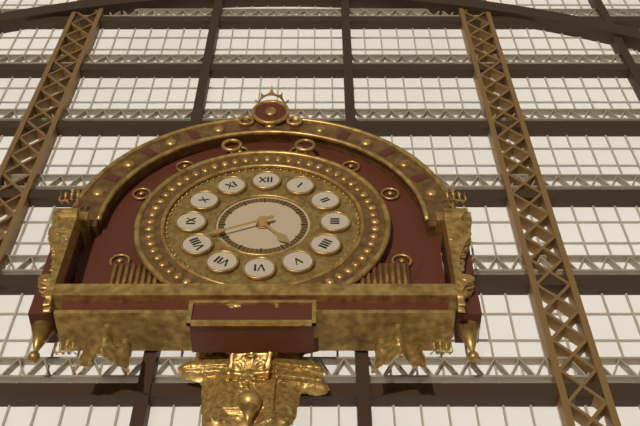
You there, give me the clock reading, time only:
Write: 4:41
